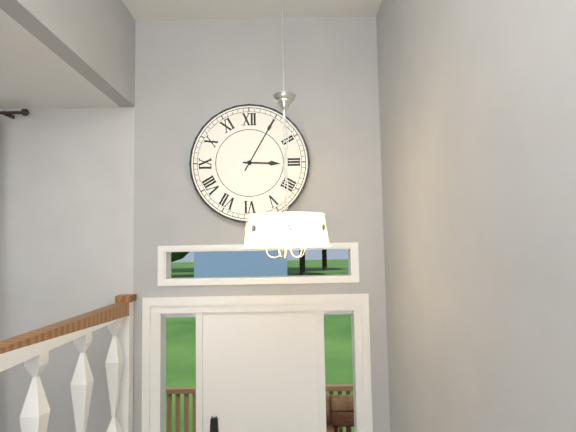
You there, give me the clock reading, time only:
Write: 3:05
